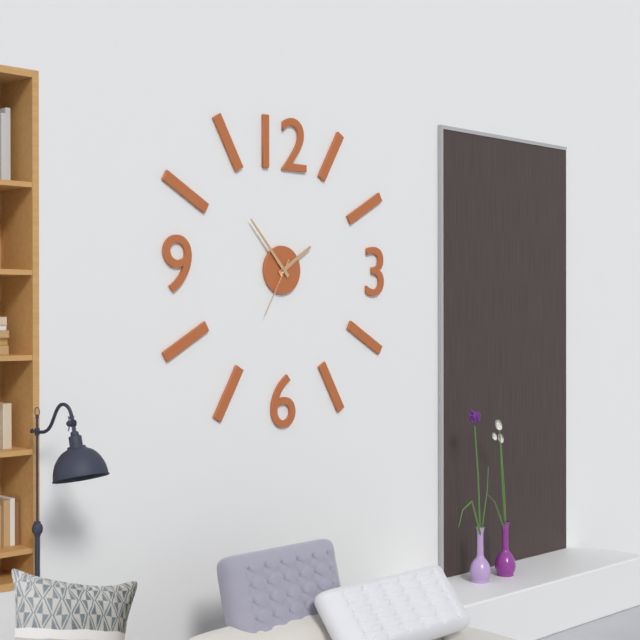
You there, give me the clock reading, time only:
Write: 1:53:35
